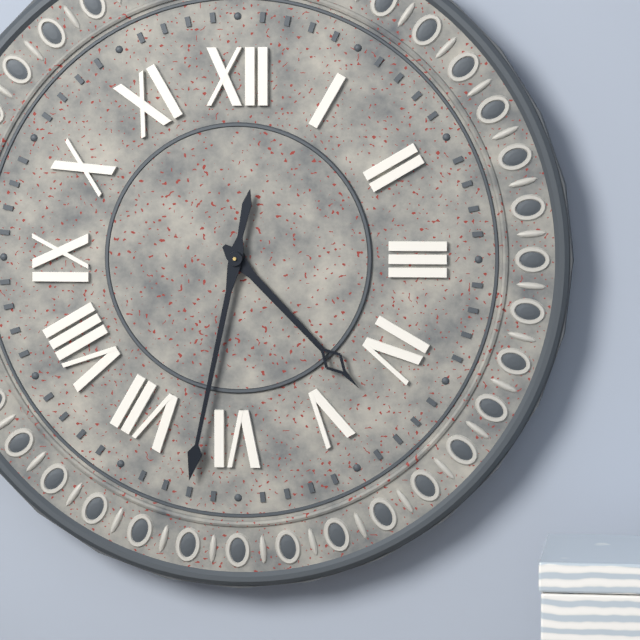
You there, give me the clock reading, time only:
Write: 4:32
